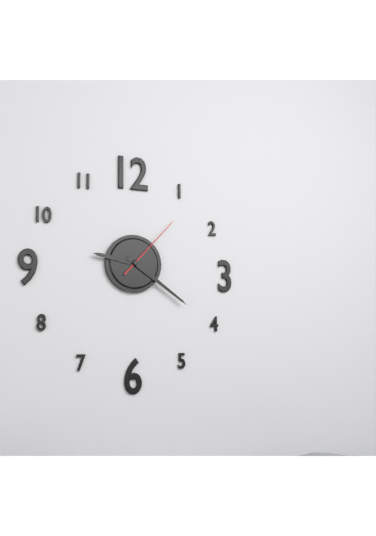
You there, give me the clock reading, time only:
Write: 9:21:07
